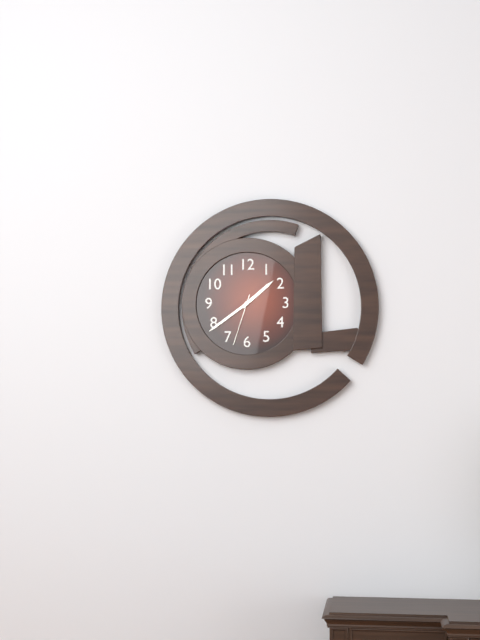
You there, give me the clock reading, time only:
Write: 1:39:33
